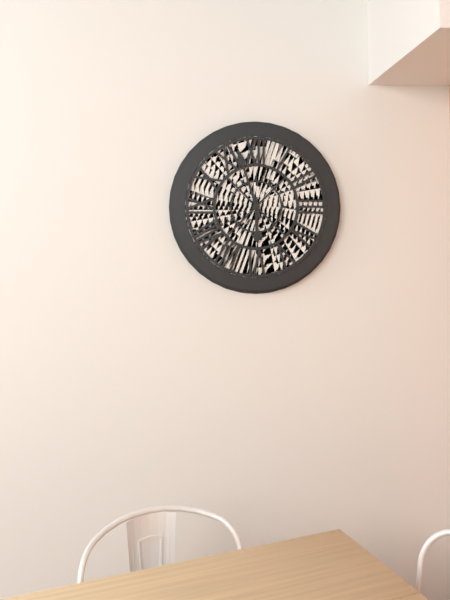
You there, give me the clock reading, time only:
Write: 5:57
